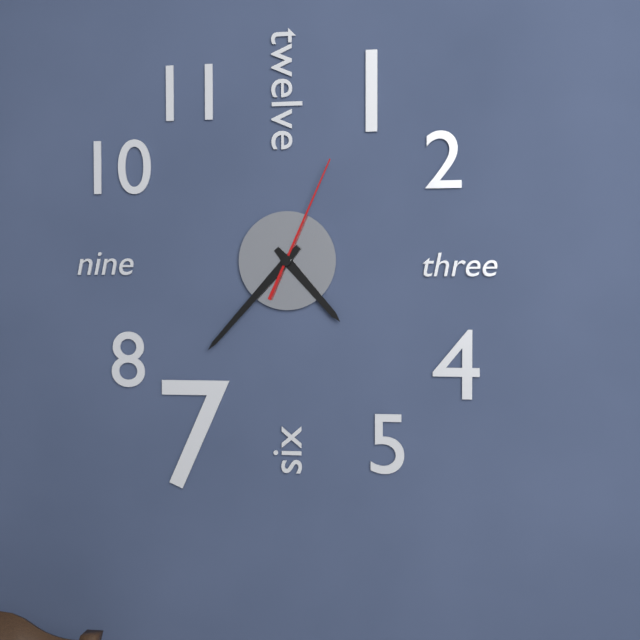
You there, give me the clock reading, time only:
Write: 4:37:04
